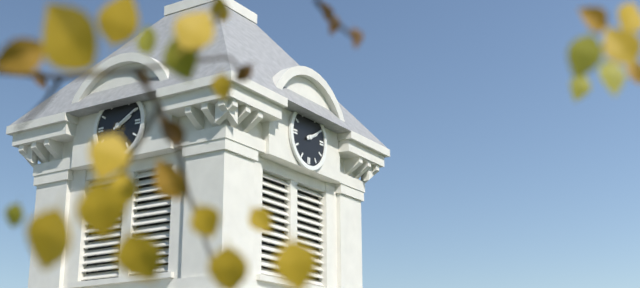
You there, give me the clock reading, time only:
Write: 2:10
